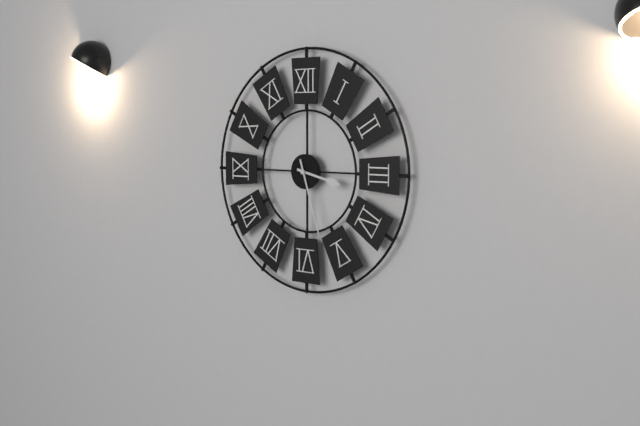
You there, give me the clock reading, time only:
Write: 3:27
